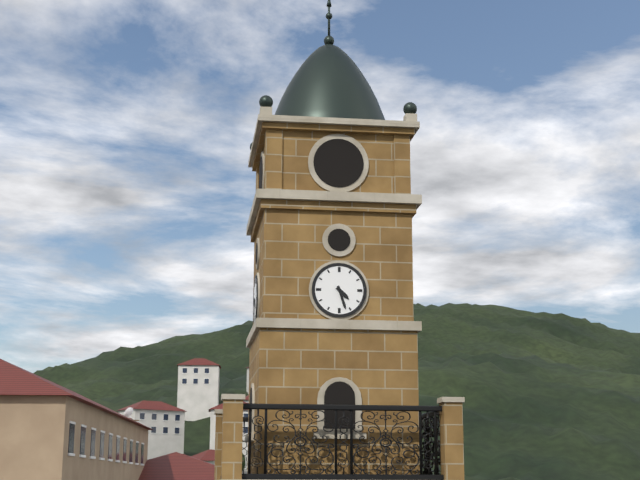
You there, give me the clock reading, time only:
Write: 4:27
